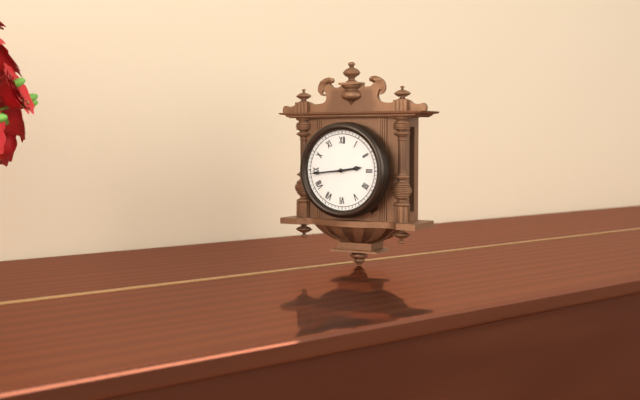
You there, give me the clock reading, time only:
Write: 2:44
